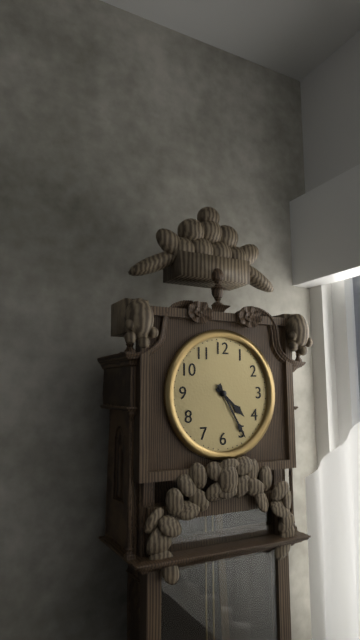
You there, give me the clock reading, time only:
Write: 4:25
